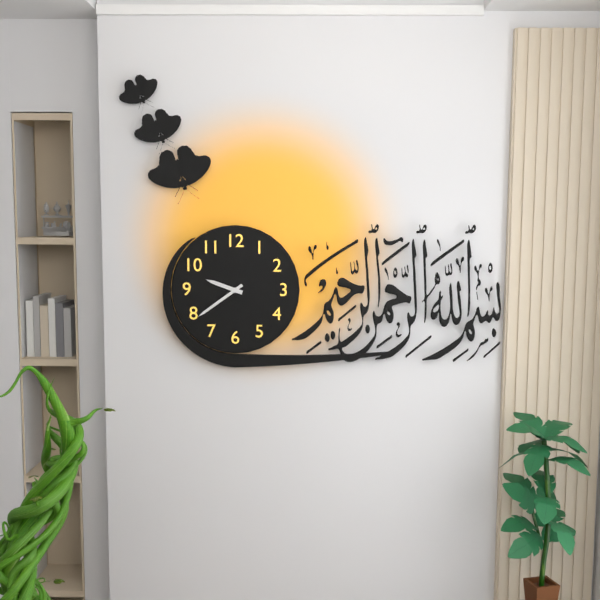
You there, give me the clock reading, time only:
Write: 9:39
